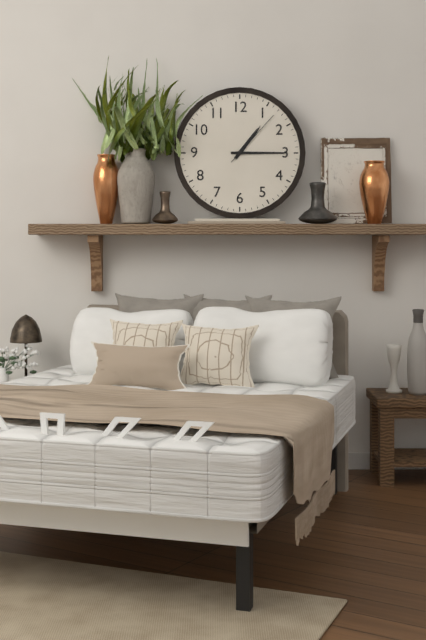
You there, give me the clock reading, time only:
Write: 1:15:07
